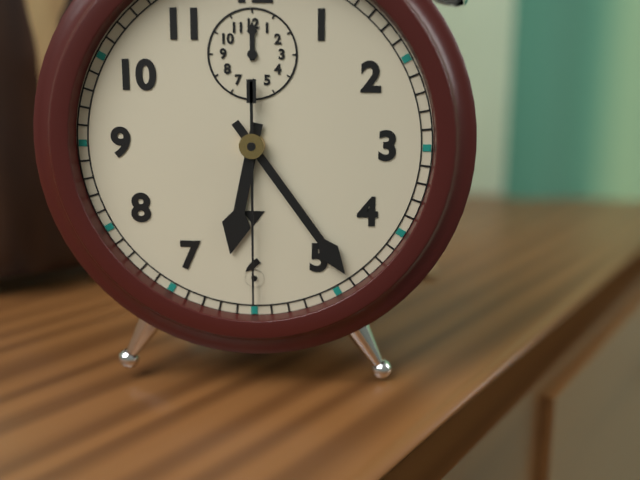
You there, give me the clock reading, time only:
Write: 6:24:30
